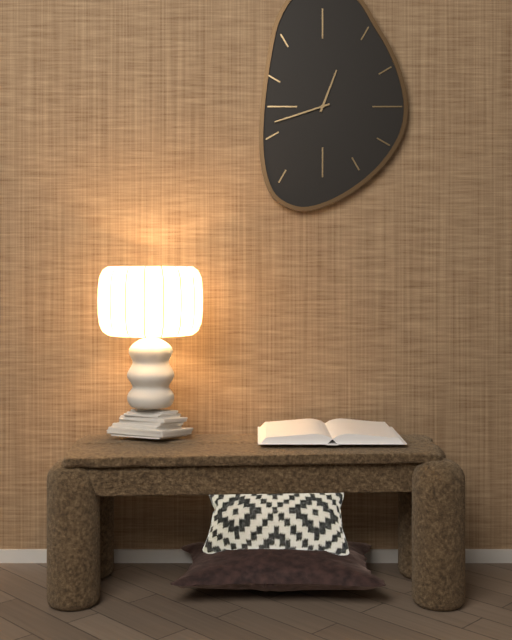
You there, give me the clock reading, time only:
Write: 12:42
